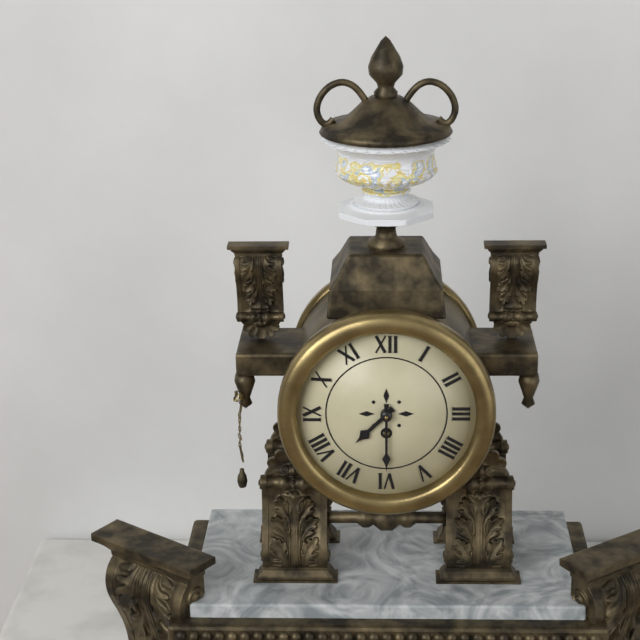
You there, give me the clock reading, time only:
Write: 7:30
